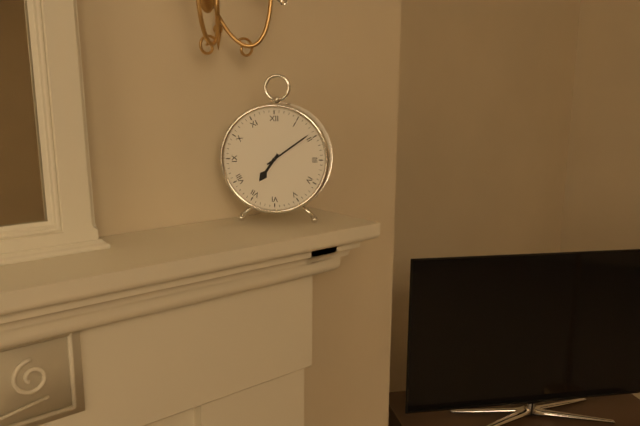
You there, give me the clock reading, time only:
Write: 7:09
